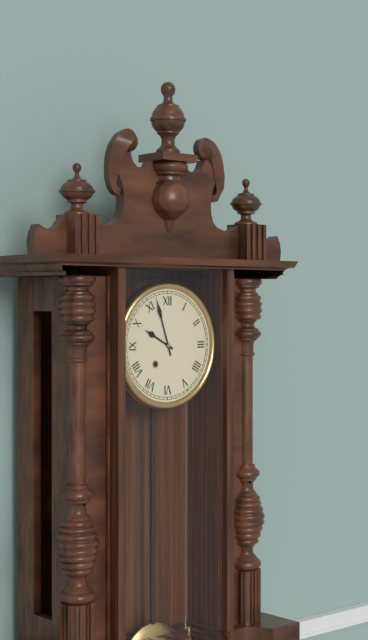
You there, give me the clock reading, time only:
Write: 9:57
